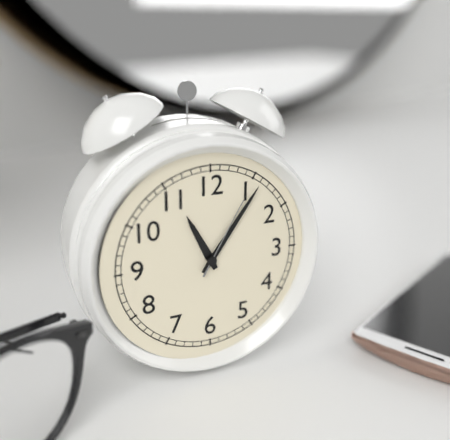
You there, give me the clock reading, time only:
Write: 11:06:05
